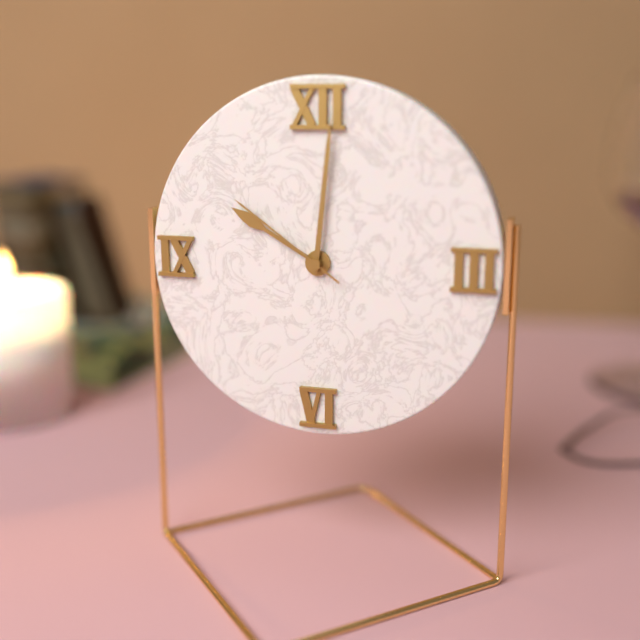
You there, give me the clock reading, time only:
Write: 10:01:51
